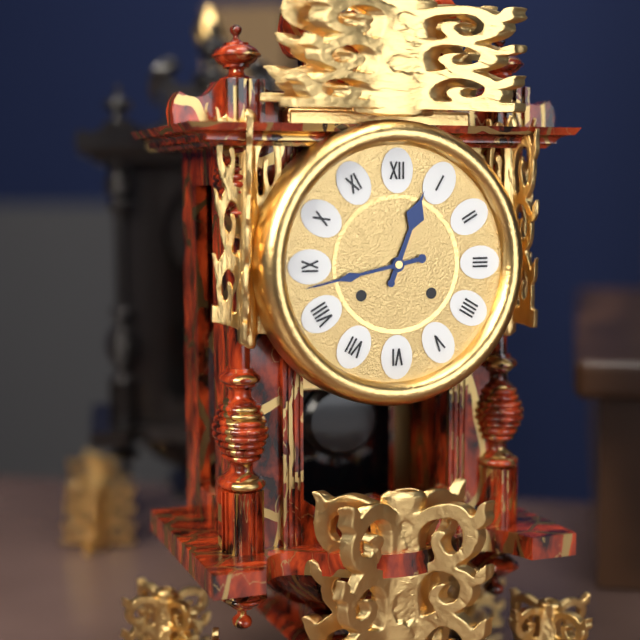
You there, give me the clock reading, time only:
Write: 12:43
